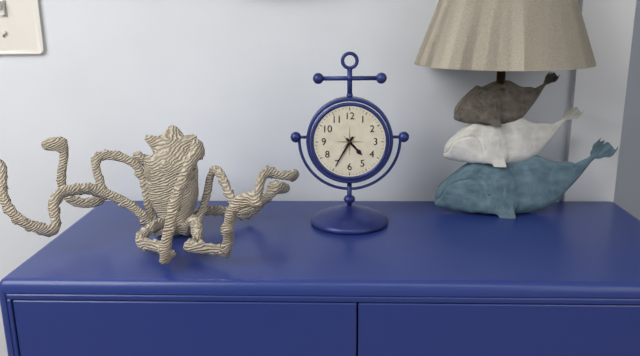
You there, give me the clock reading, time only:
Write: 4:35
